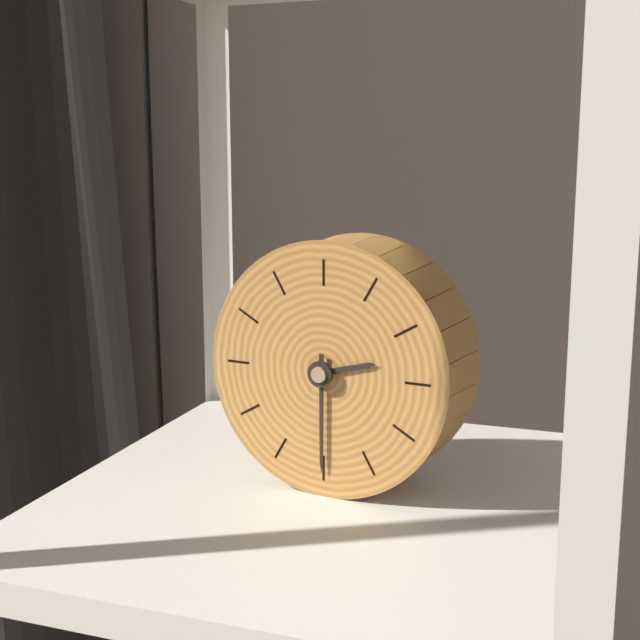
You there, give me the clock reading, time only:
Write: 2:30
